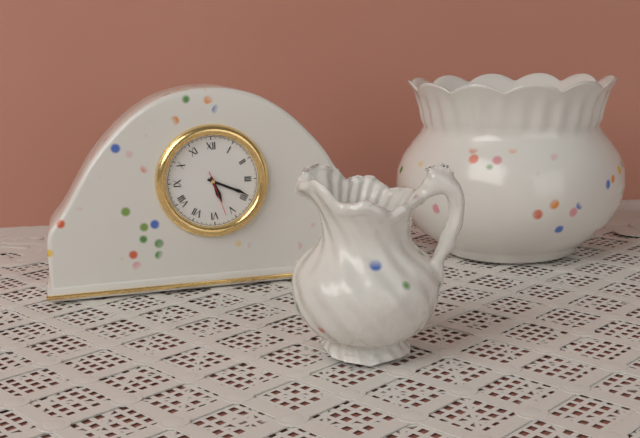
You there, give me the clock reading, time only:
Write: 5:19
